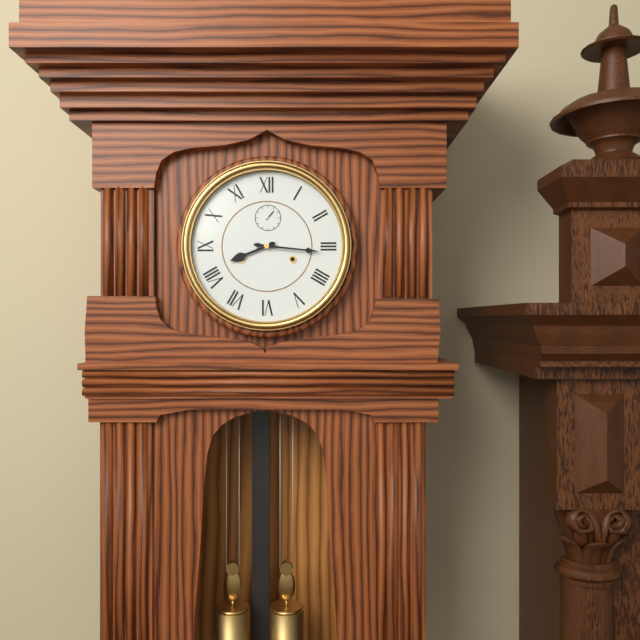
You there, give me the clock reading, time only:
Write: 8:16
